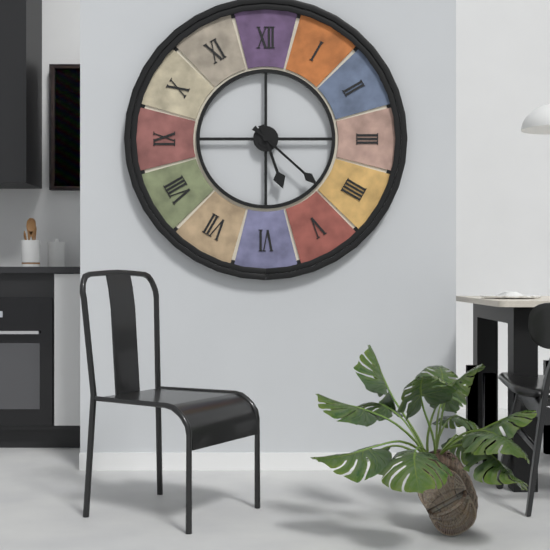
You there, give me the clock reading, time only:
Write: 5:22
